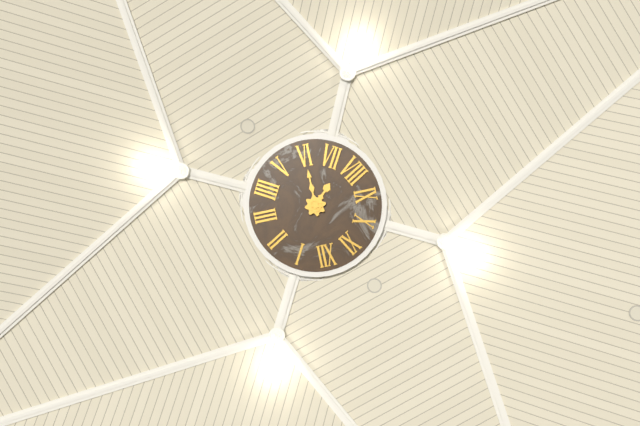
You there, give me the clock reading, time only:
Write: 7:30
